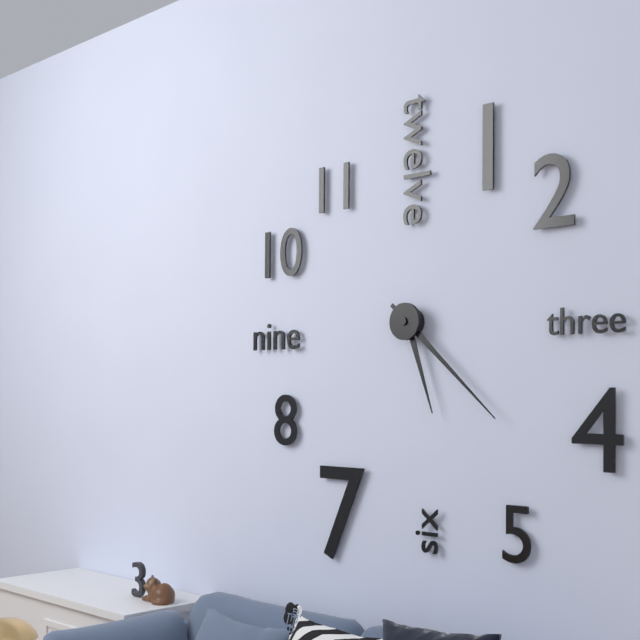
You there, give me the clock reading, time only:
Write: 5:22
